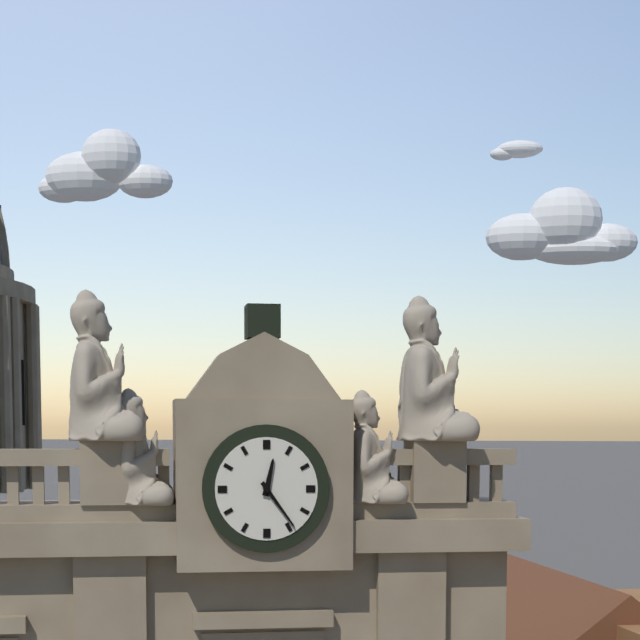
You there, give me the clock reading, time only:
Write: 12:24
